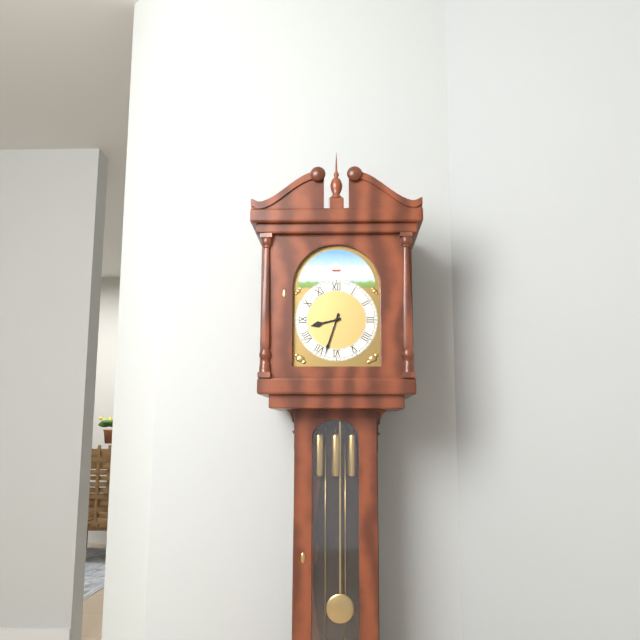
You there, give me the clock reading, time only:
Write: 8:33
